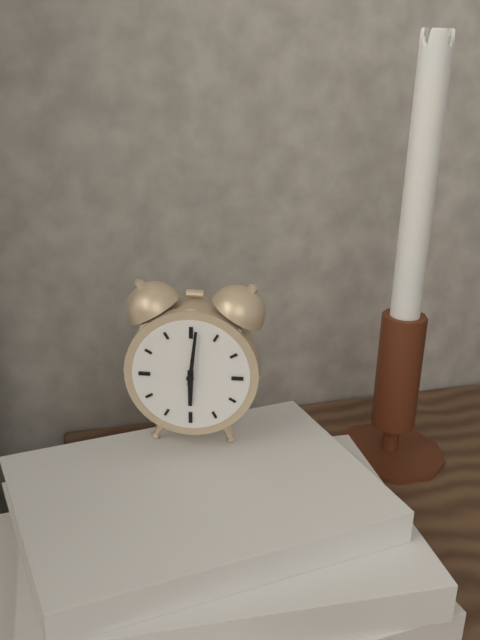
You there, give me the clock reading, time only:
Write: 6:01
